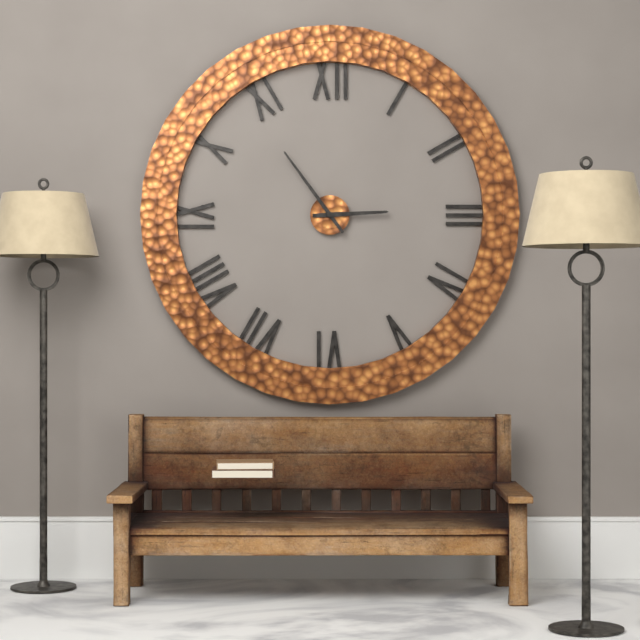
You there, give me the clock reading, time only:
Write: 2:54
